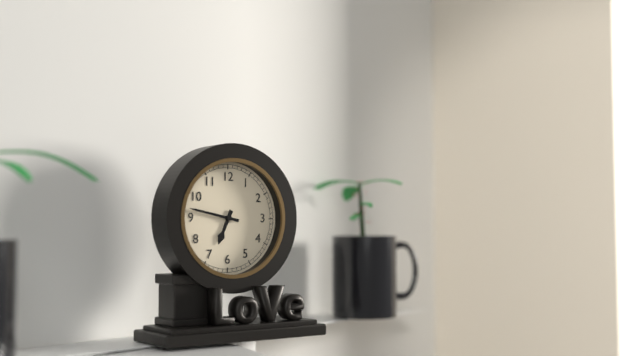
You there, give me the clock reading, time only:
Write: 6:47
